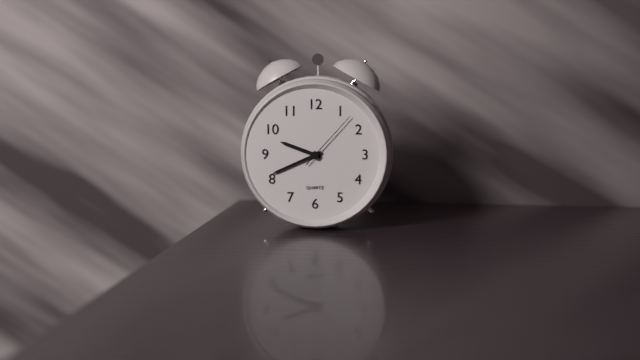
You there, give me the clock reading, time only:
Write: 9:41:07
